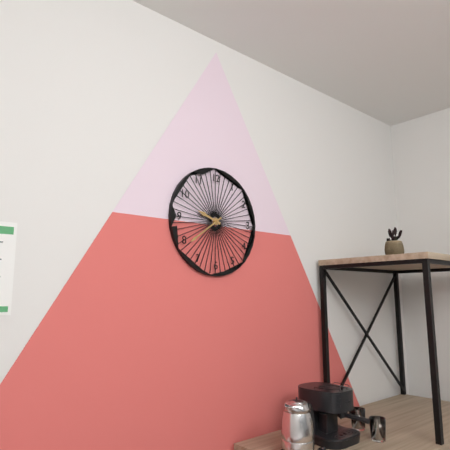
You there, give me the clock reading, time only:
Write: 9:39
